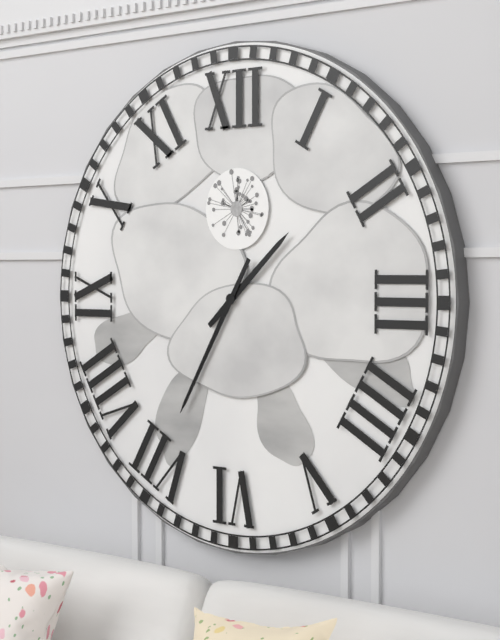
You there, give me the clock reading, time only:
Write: 1:35
